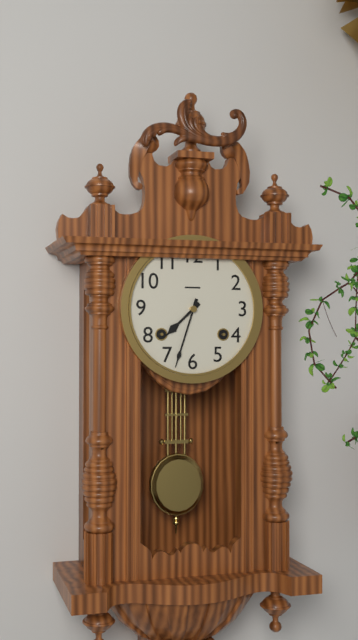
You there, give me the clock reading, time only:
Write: 7:33
